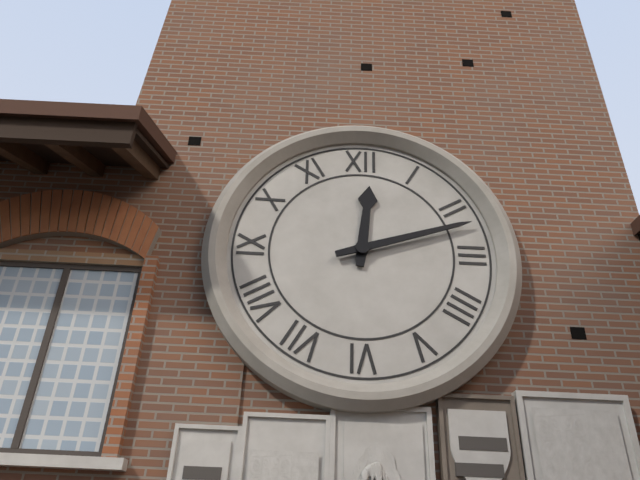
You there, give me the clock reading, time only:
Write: 12:12
